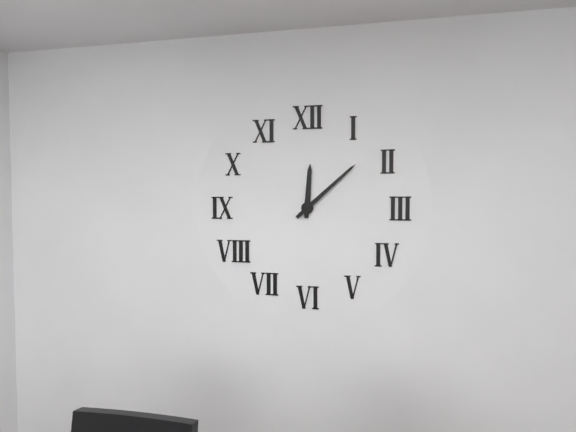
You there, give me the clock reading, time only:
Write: 12:08
